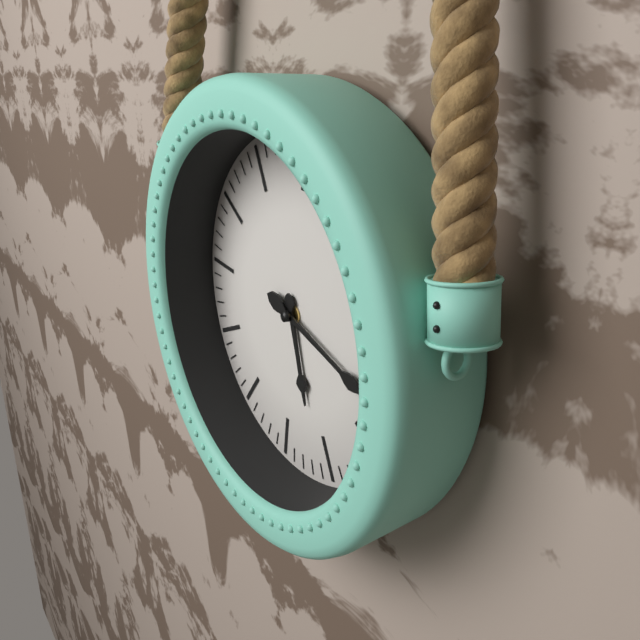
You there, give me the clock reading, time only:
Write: 5:17
